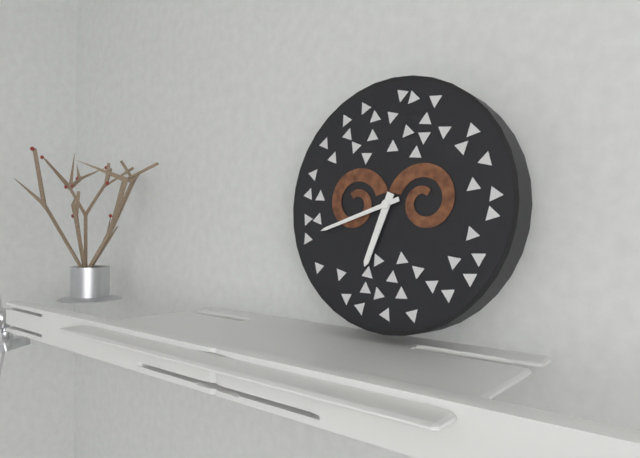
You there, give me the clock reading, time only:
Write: 6:42
